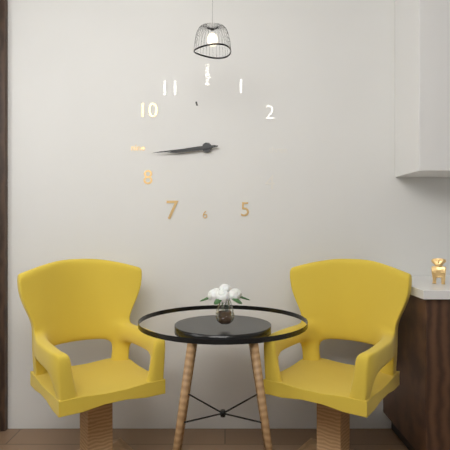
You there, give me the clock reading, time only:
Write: 8:44
